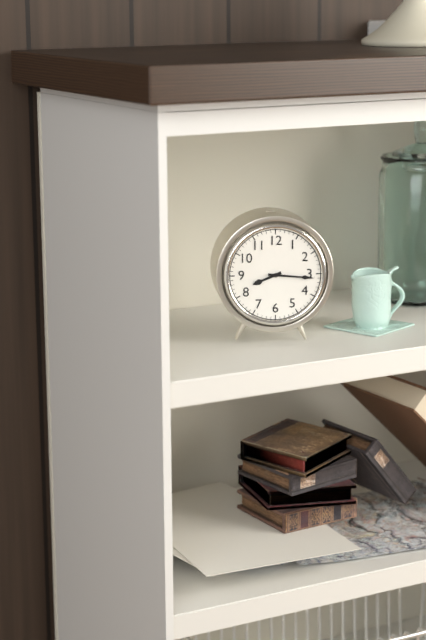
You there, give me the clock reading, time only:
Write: 8:16
